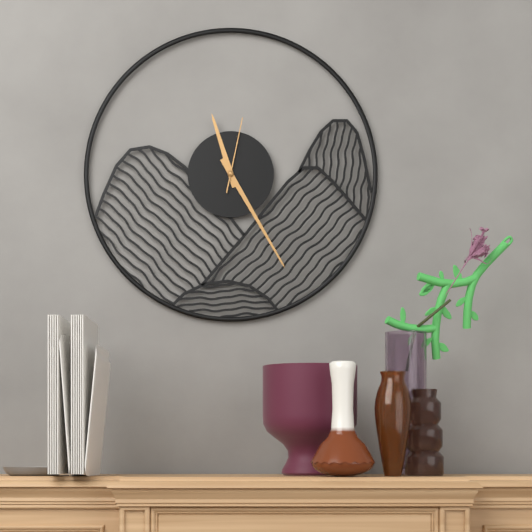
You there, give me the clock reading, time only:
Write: 11:25:02
